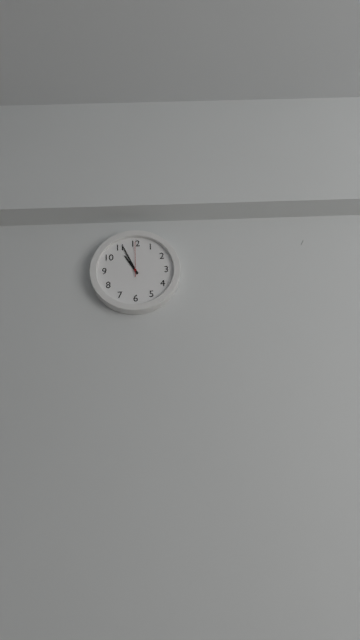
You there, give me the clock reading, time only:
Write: 10:56
